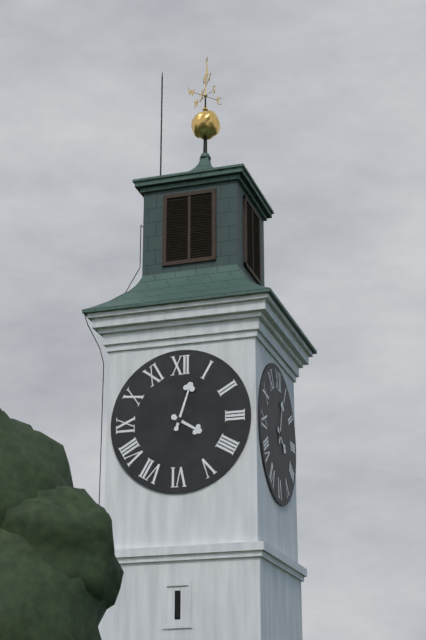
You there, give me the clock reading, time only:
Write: 4:03
